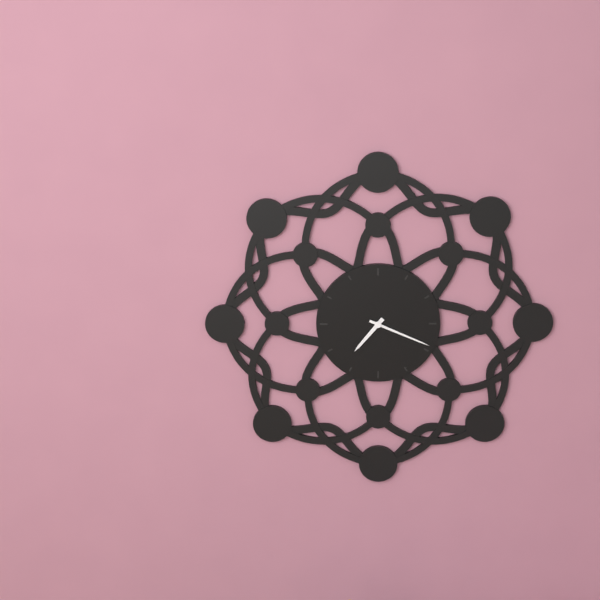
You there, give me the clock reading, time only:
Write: 7:19
